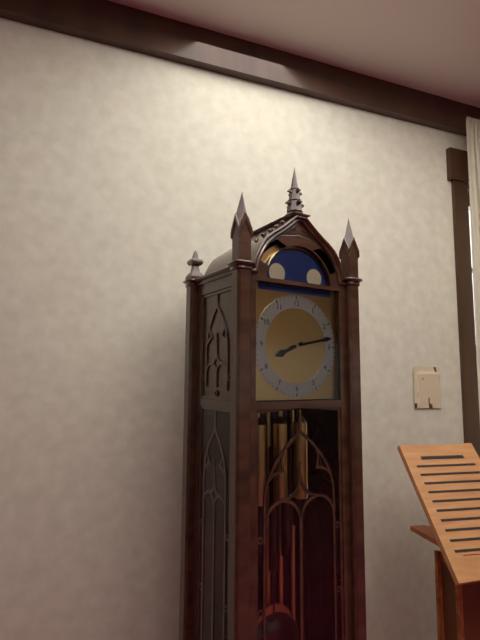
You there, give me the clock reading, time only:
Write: 8:13
